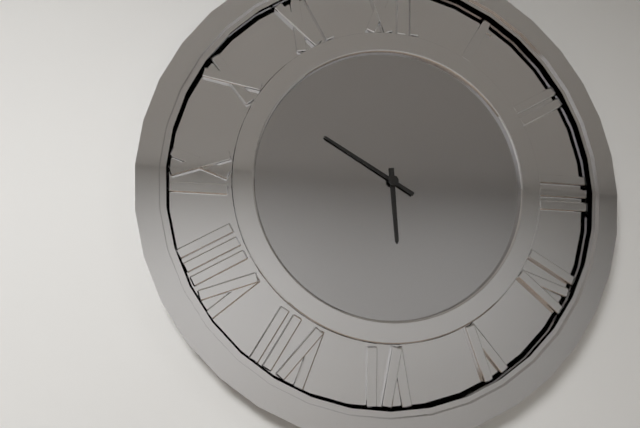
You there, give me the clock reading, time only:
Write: 5:50
